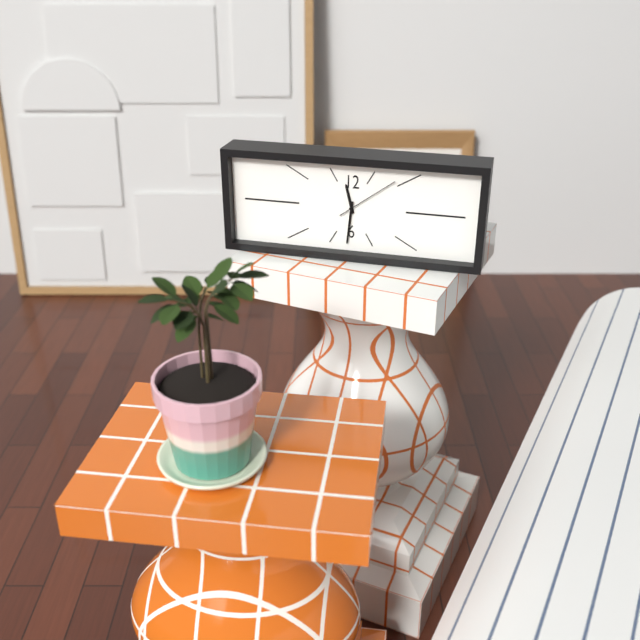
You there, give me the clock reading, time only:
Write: 11:31:09
